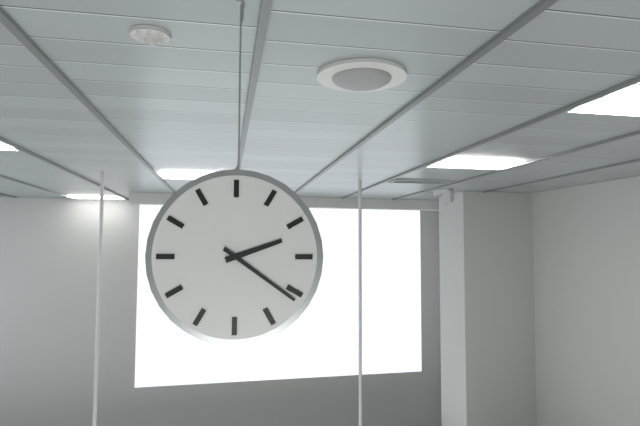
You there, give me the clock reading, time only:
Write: 2:21
